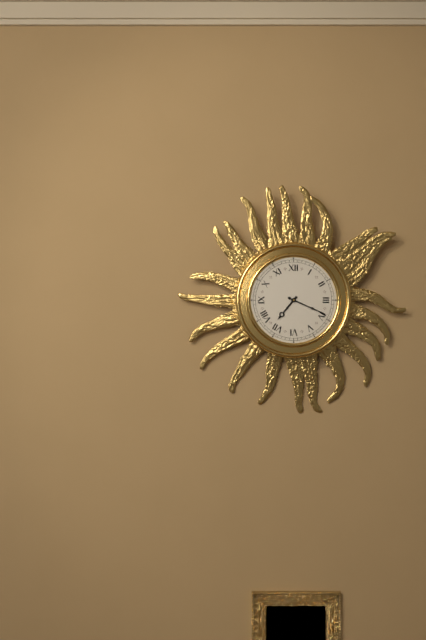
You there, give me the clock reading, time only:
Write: 7:19
